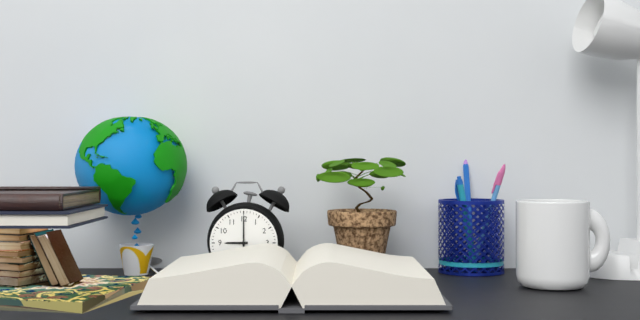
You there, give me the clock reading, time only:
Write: 9:00
